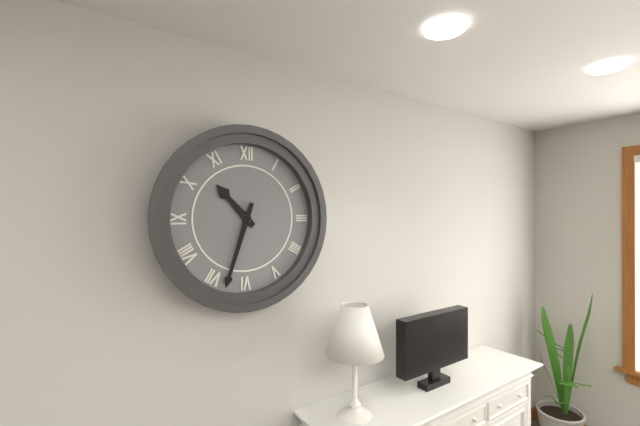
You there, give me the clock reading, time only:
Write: 10:33
